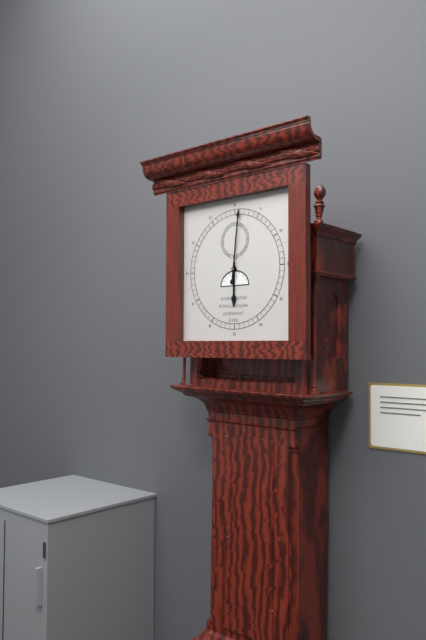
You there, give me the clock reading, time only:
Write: 6:01
